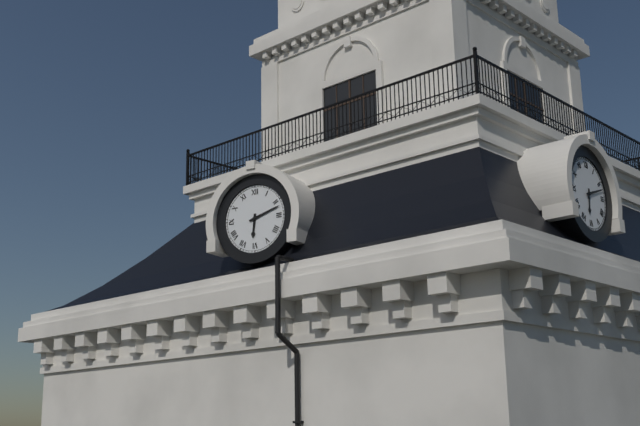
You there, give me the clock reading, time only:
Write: 6:12
